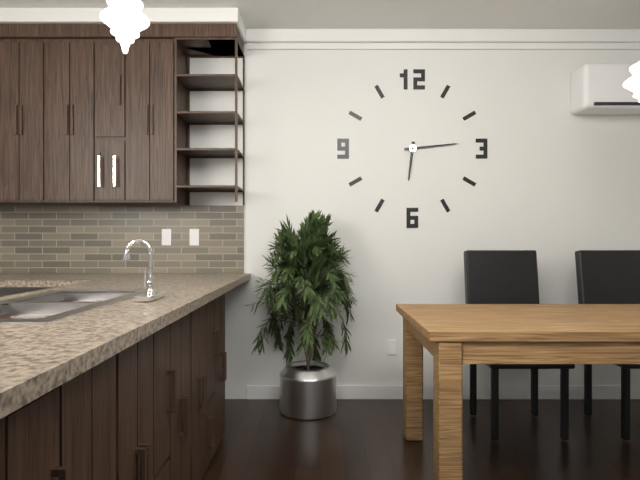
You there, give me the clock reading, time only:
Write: 6:14
